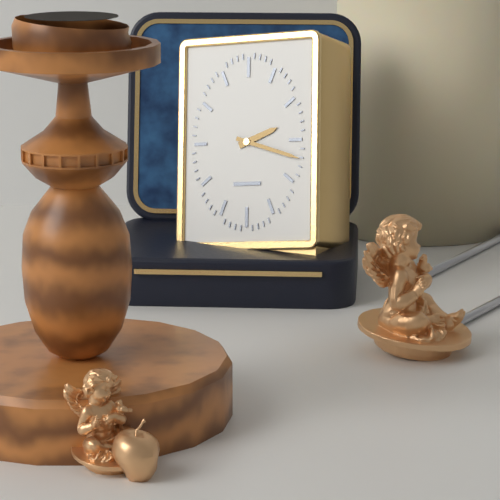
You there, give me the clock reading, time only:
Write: 2:18
